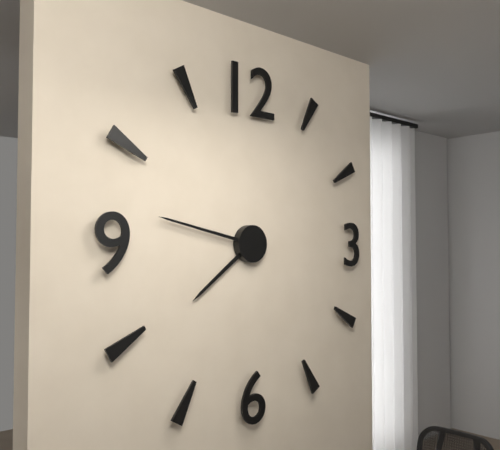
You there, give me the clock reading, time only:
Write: 7:47
